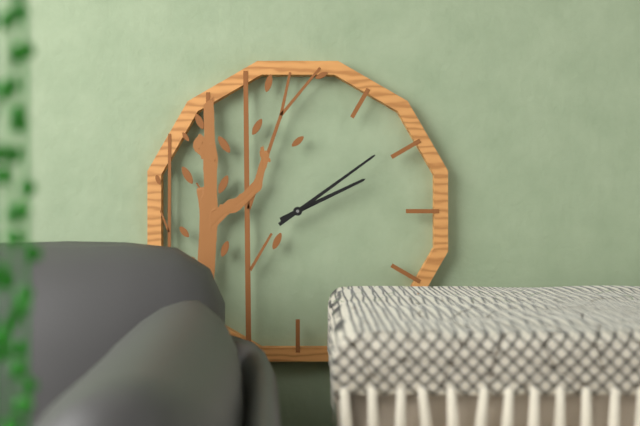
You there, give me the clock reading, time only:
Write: 2:09
